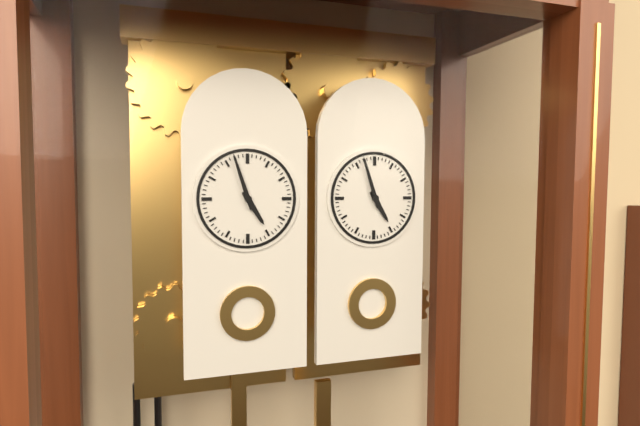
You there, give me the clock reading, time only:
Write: 4:57
